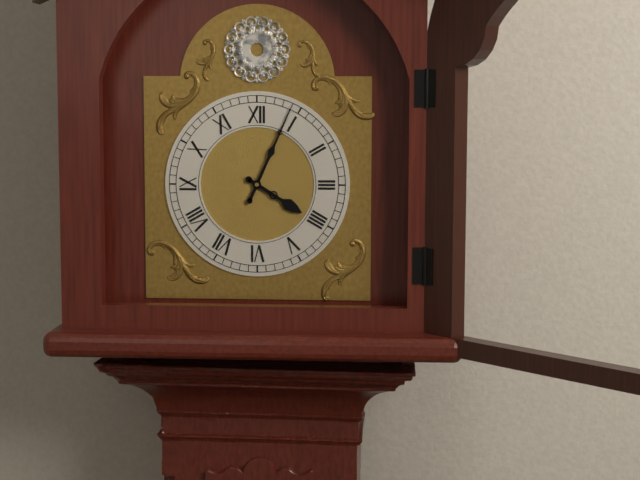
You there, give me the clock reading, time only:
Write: 4:04
